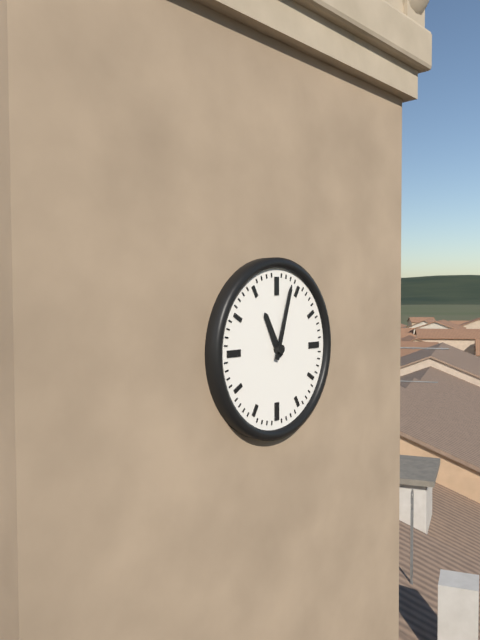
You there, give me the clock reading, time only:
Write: 11:03
